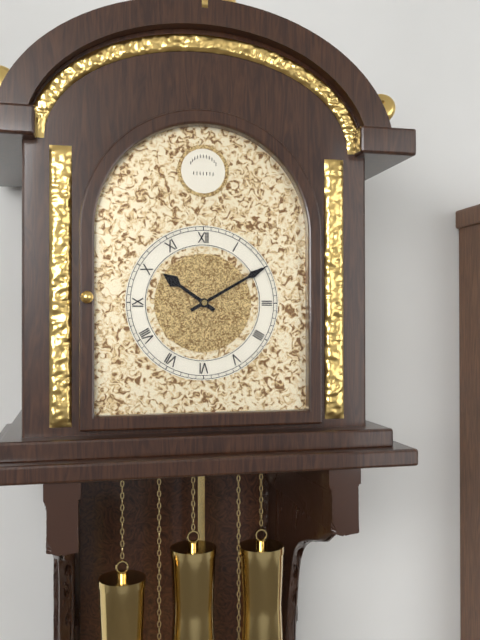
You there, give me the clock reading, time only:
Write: 10:10
